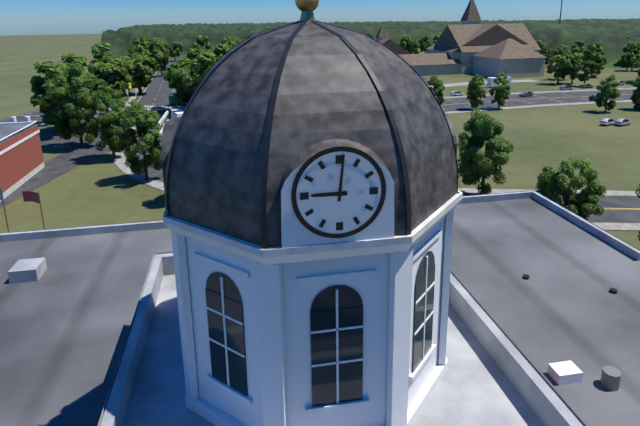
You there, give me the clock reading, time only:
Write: 9:01
